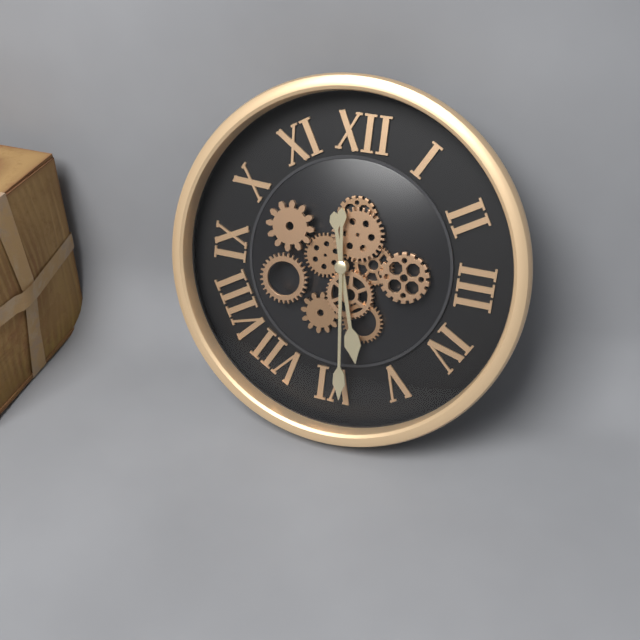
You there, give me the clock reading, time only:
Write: 5:29
